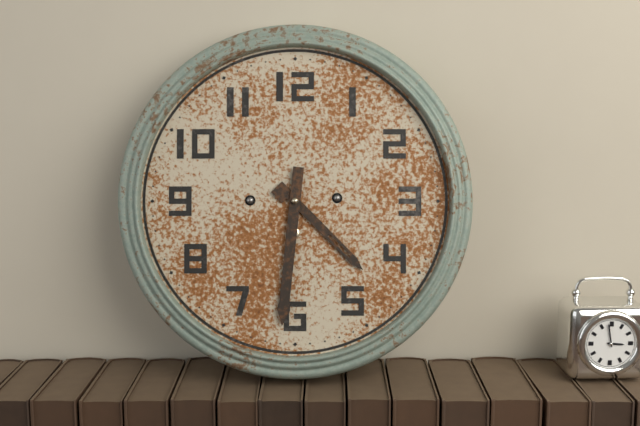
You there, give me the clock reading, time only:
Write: 4:31
